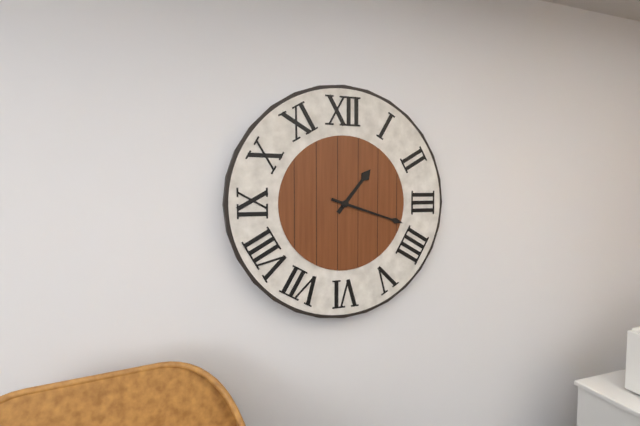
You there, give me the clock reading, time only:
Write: 1:18
